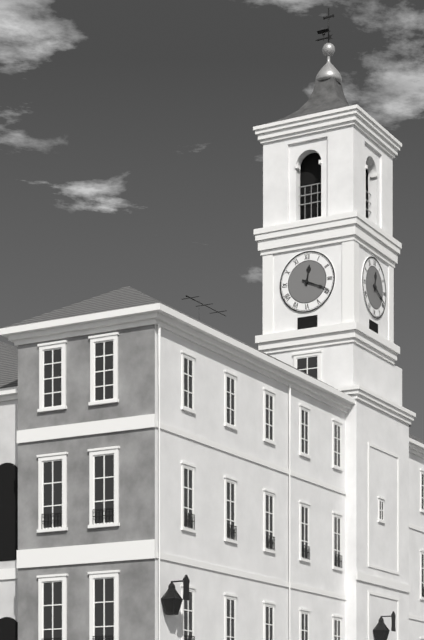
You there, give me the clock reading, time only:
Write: 12:19
